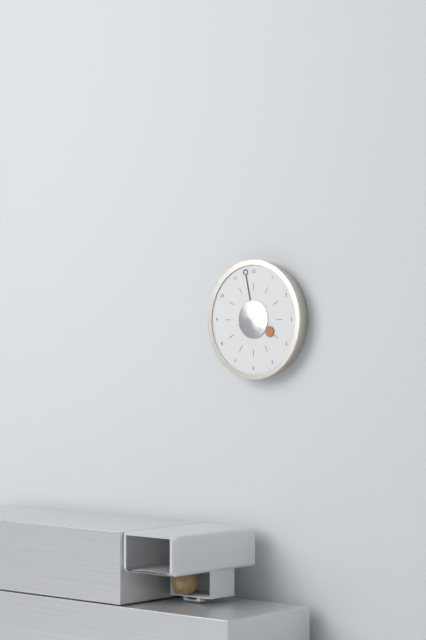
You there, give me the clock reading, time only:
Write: 3:58
